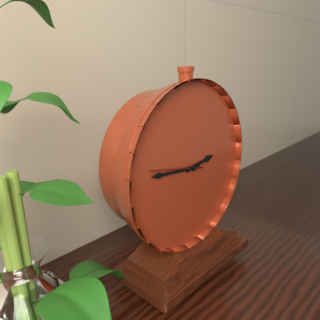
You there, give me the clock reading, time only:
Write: 2:46:47
